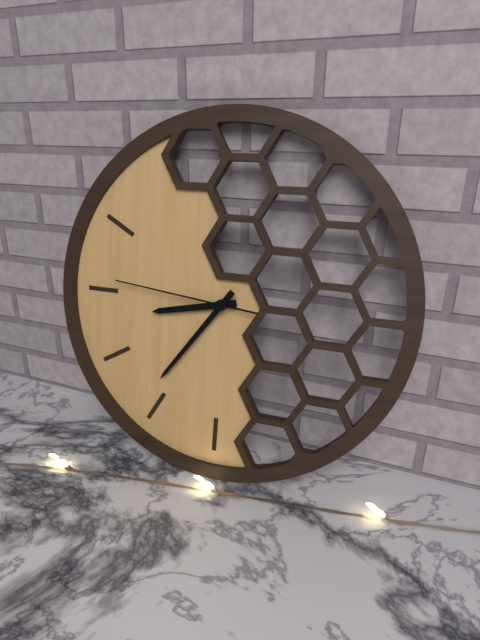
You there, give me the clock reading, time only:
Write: 8:36:46
